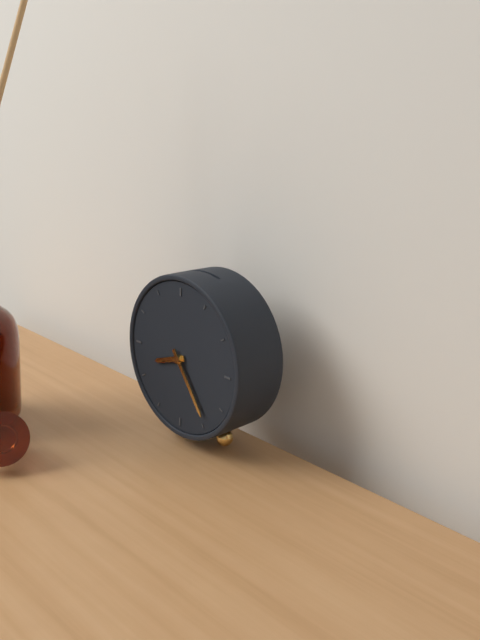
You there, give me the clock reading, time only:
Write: 8:24
